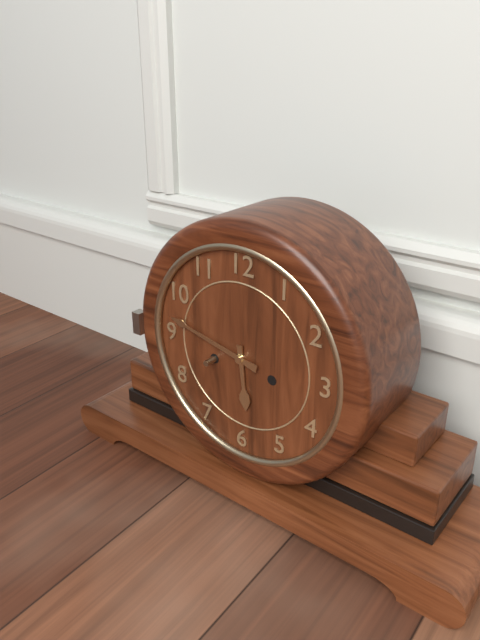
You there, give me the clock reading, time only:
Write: 5:47
